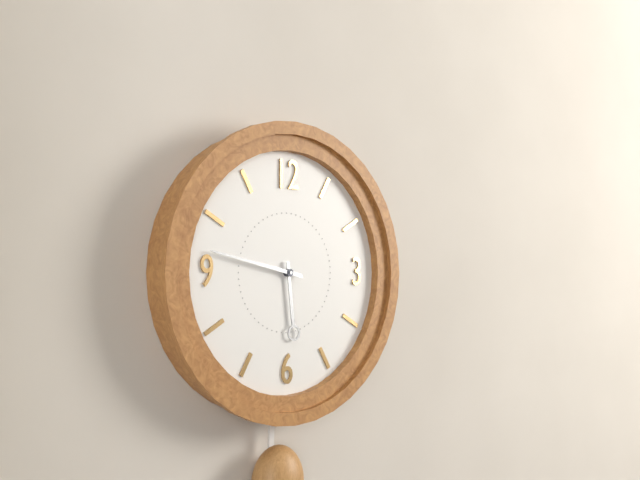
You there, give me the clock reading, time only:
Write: 5:47
